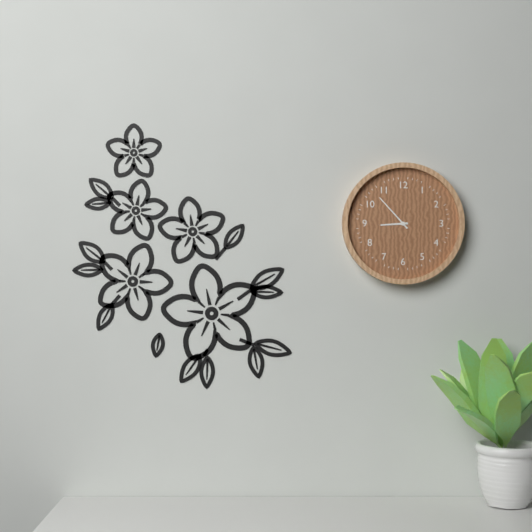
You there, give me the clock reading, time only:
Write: 8:53
